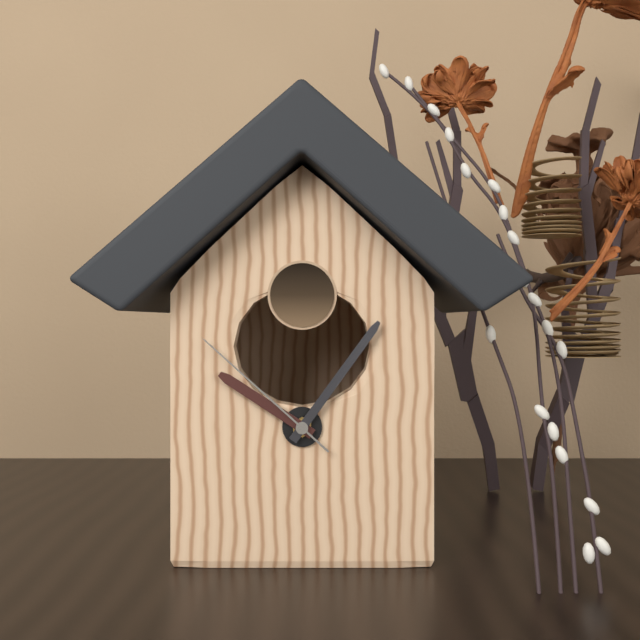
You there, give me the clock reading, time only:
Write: 10:06:52
